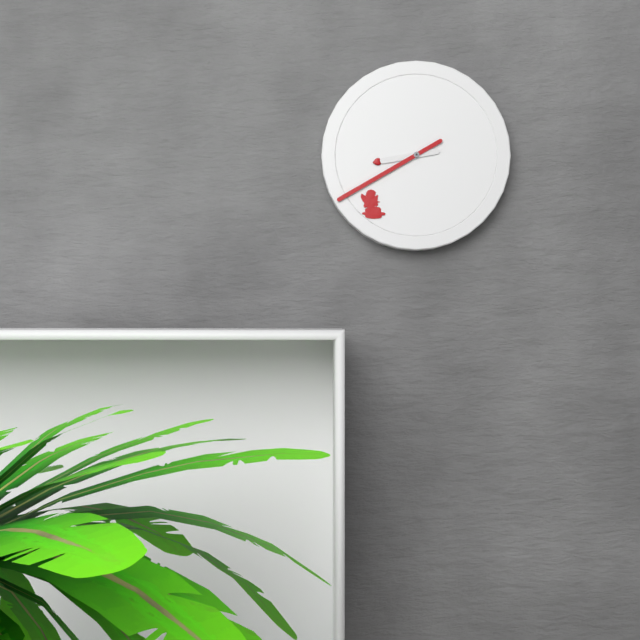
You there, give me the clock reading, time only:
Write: 8:40
